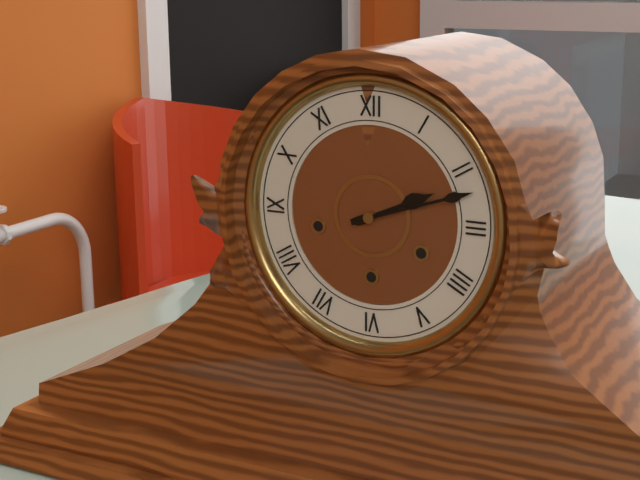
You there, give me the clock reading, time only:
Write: 2:12
